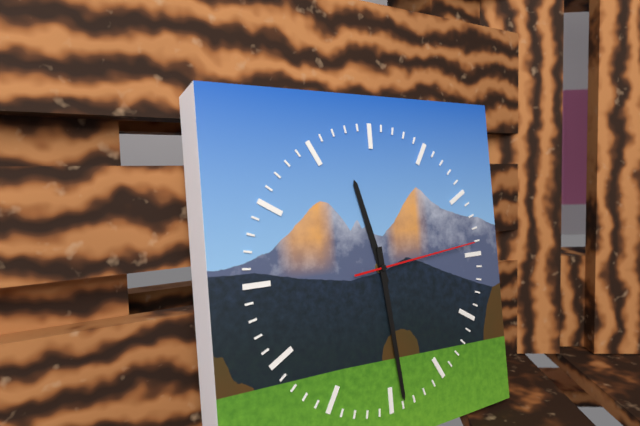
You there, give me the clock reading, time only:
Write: 11:29:14
